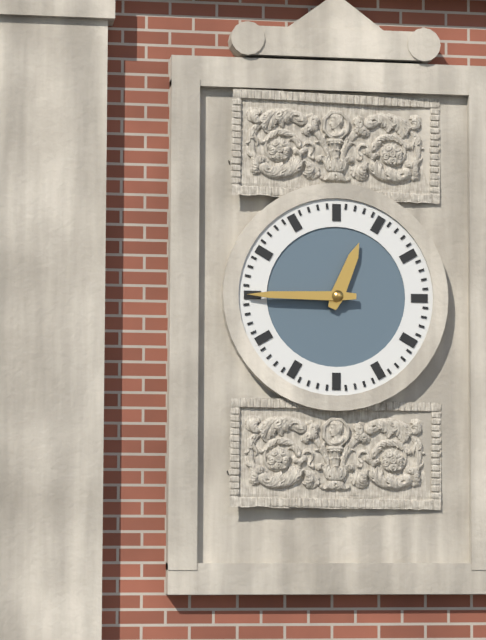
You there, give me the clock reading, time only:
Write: 12:45
